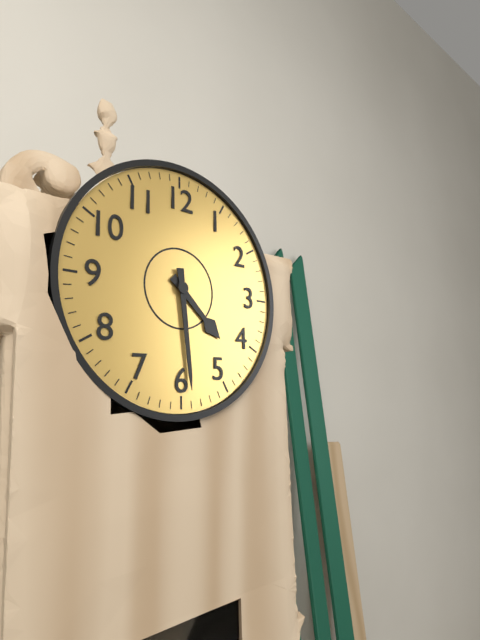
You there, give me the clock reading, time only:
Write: 4:29
